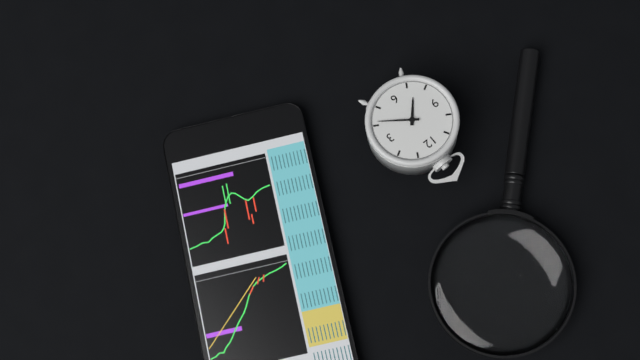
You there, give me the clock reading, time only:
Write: 7:21
